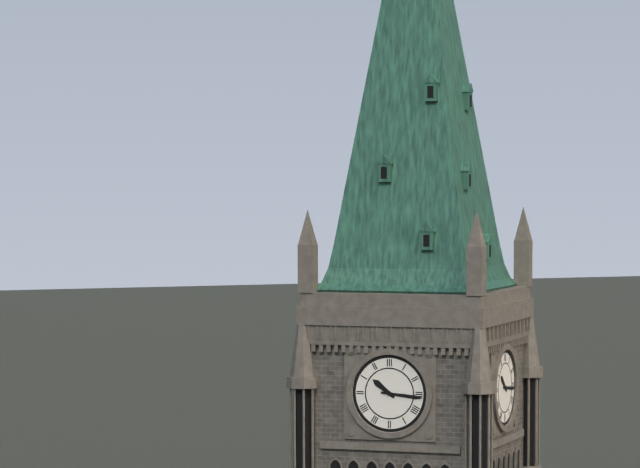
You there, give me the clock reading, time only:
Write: 10:16
